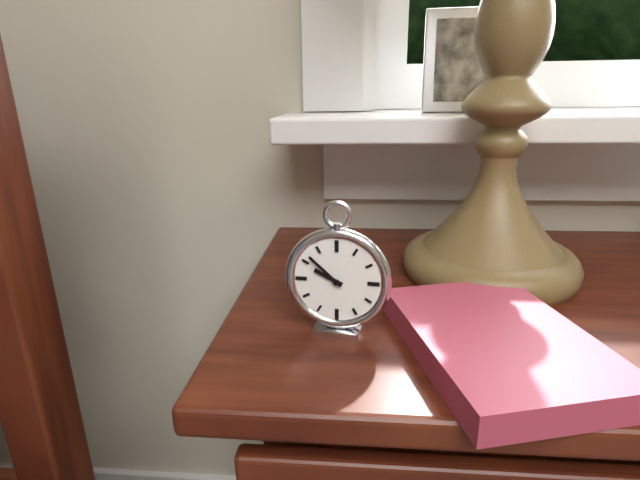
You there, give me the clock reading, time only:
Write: 9:52
